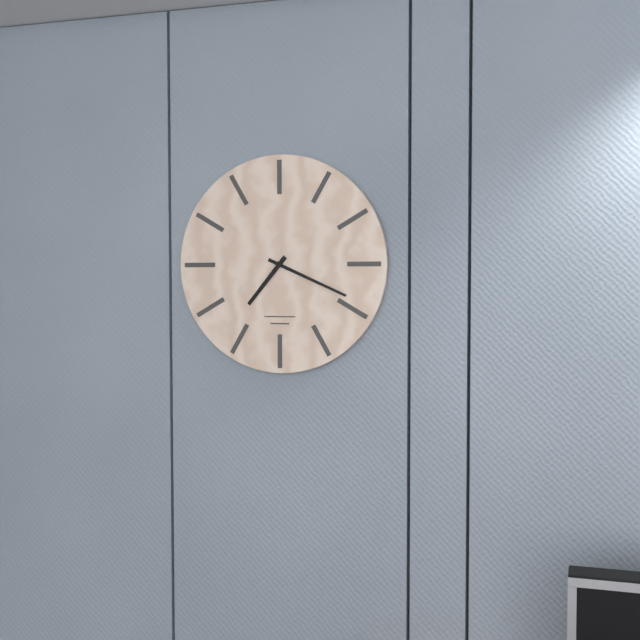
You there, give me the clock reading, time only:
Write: 7:19
